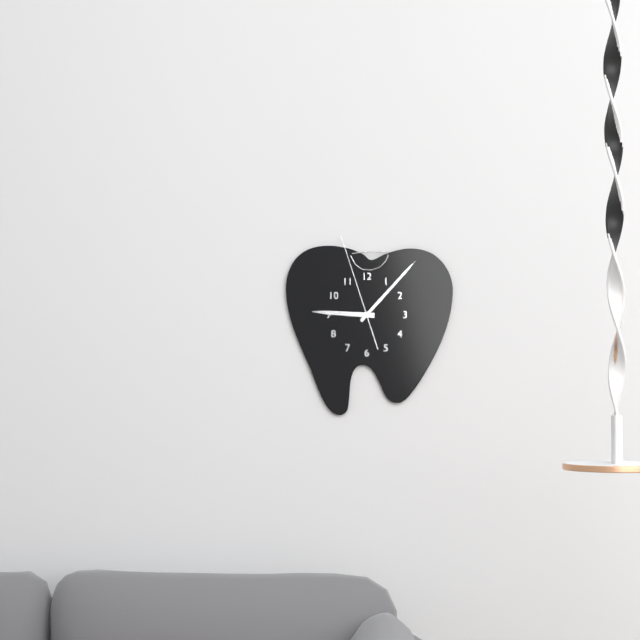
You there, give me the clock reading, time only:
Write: 9:07:57
